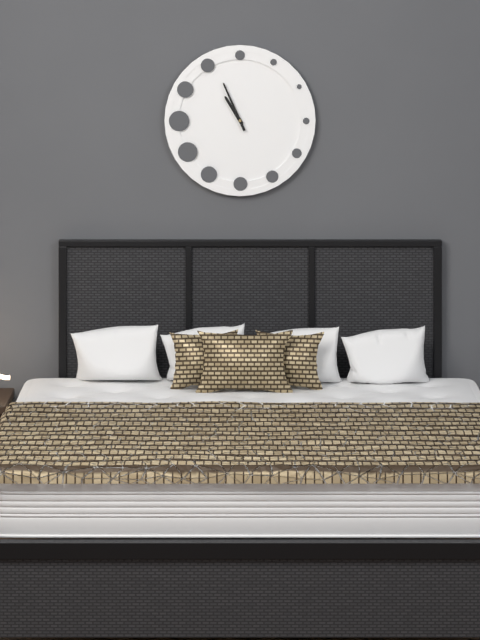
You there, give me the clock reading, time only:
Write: 10:56
